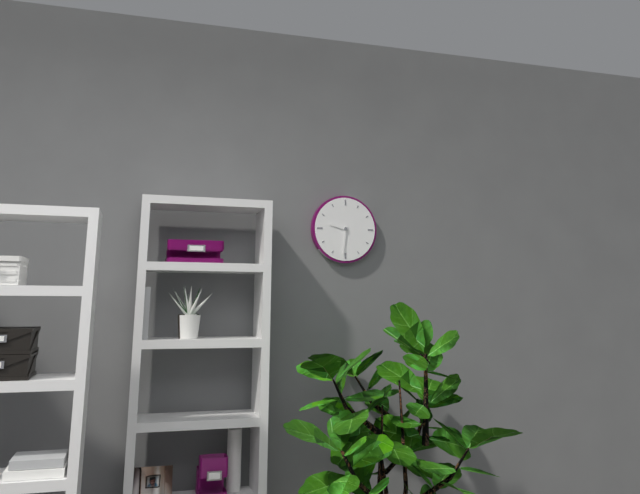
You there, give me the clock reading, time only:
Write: 9:31
